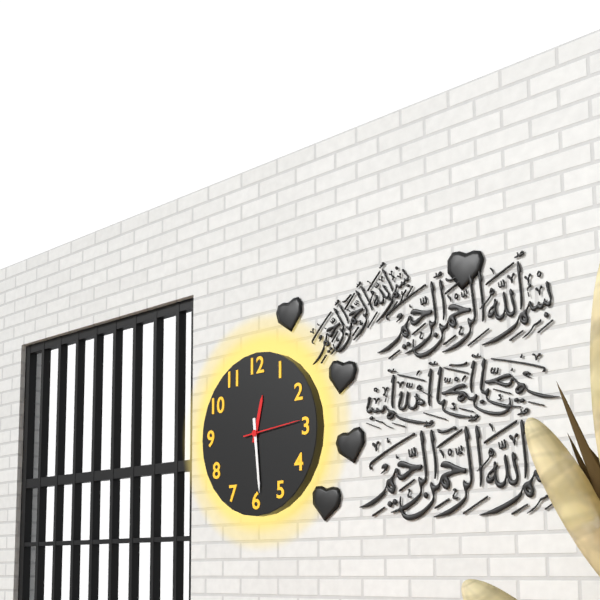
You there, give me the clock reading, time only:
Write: 12:29:14
